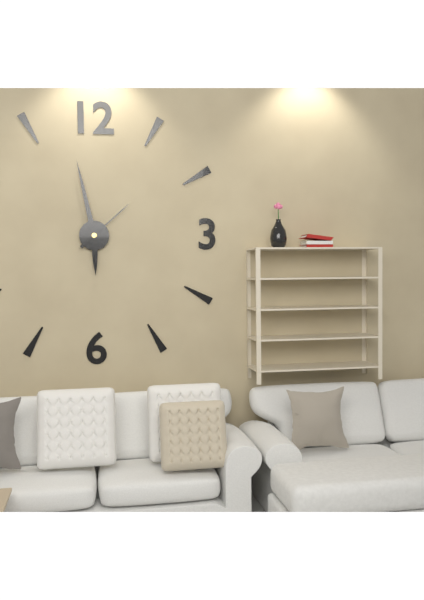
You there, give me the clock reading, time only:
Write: 5:58:08
